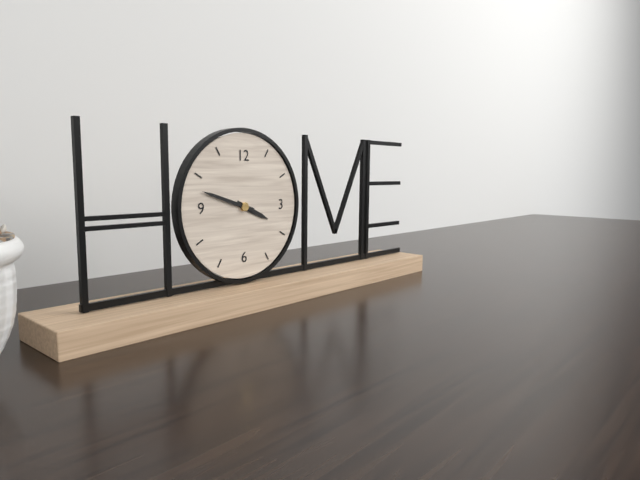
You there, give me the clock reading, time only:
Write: 3:48
